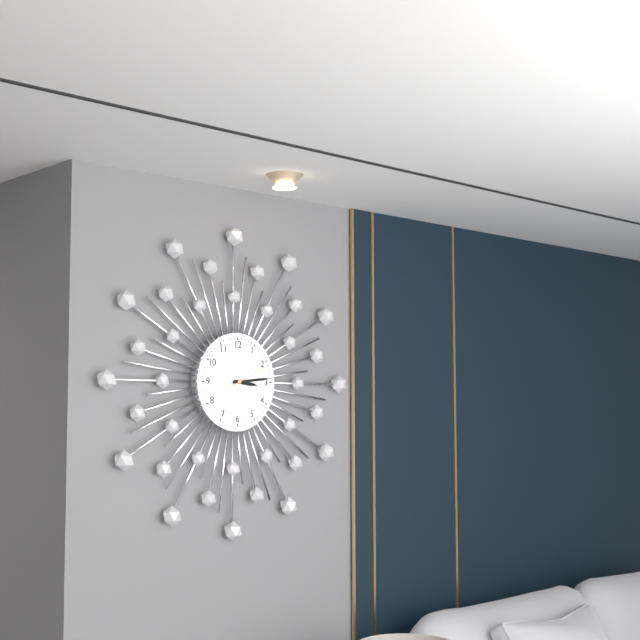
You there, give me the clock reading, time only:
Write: 3:14
